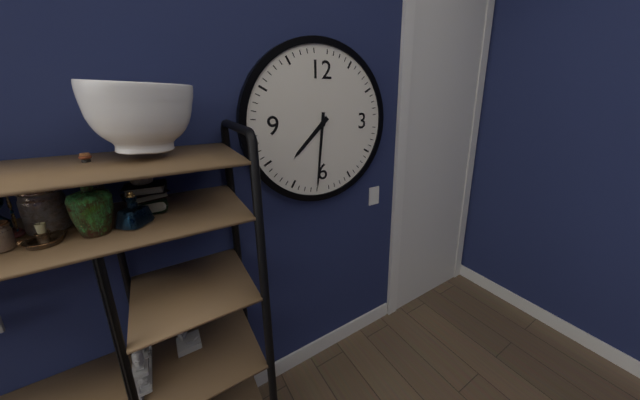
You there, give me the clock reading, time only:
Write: 7:31
